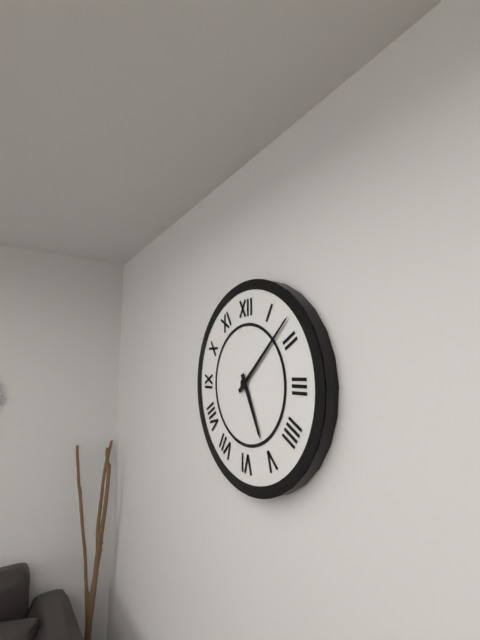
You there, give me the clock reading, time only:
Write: 5:08
